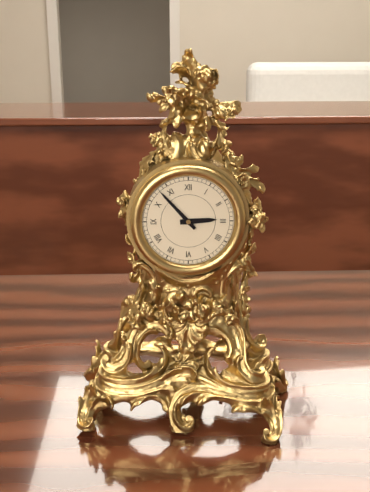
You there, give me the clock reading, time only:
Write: 2:53
